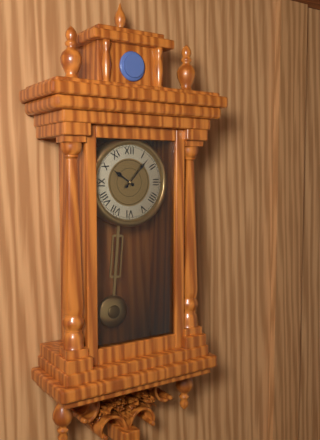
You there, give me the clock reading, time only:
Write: 10:07
